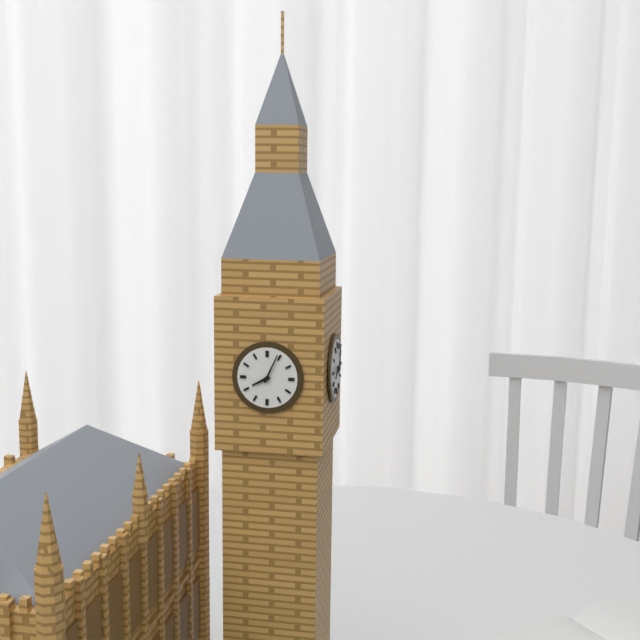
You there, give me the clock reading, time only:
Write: 8:04
